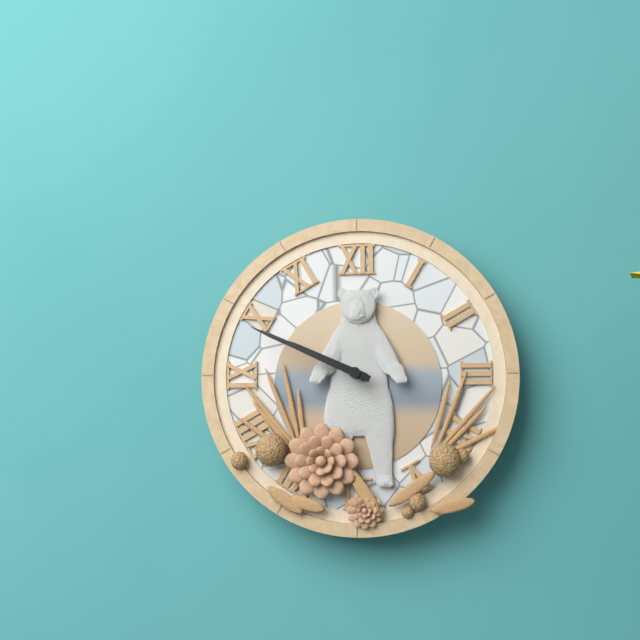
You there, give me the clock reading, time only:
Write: 9:49
